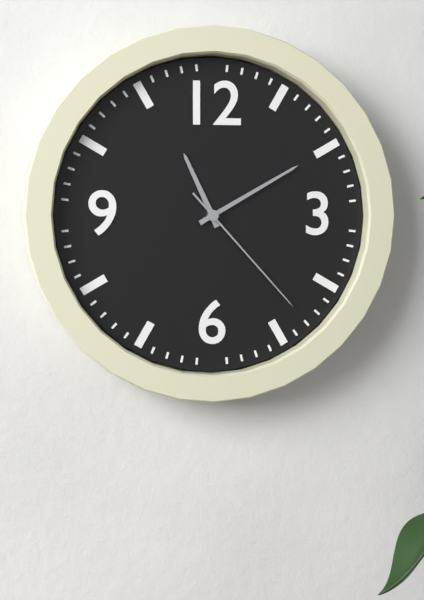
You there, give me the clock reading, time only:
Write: 11:10:23
